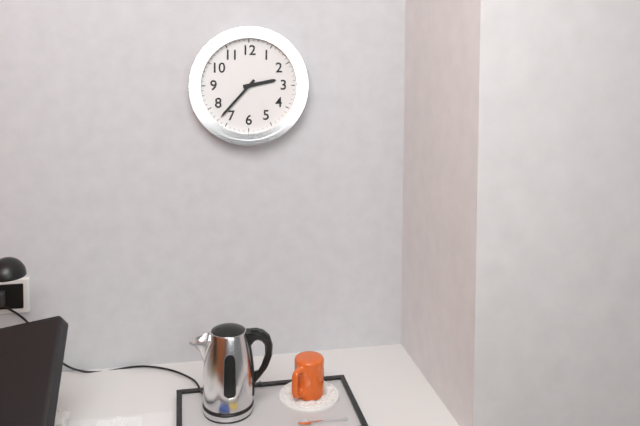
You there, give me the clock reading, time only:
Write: 2:37
